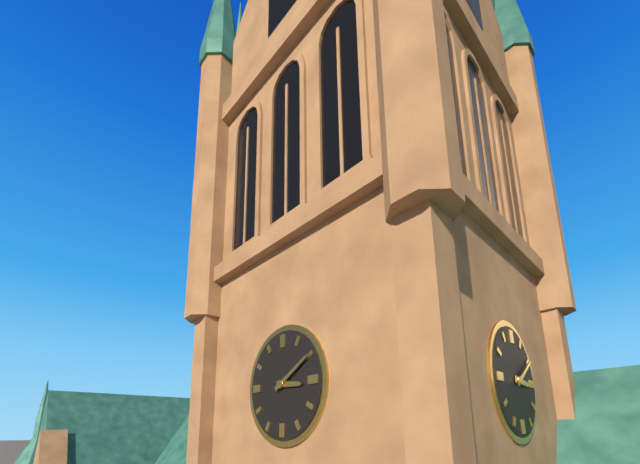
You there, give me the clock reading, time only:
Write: 3:10
